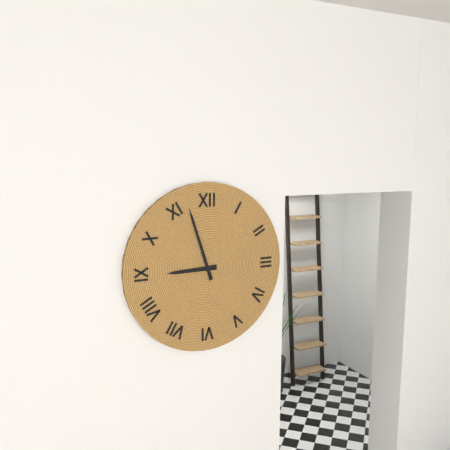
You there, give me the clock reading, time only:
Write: 8:57
